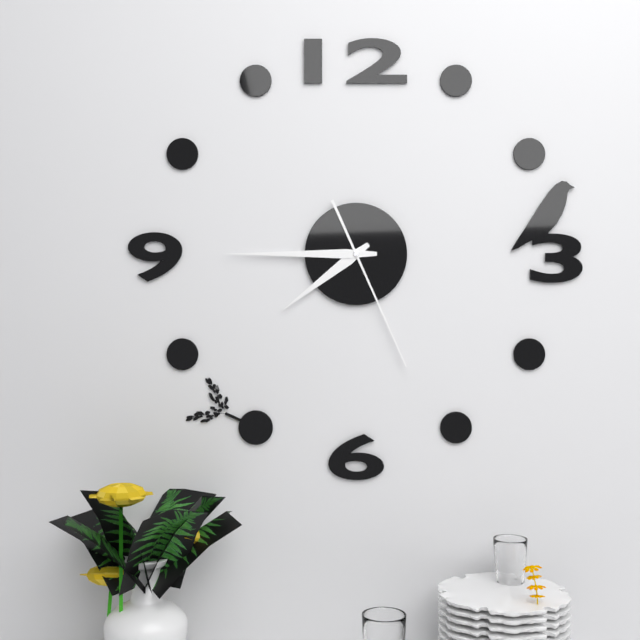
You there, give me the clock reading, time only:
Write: 7:45:26
